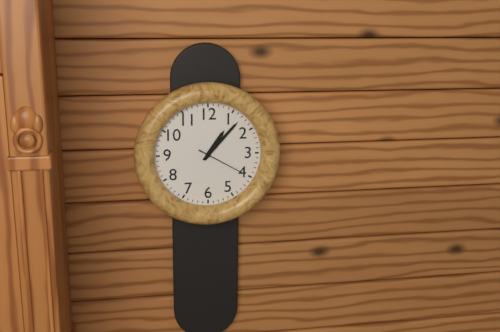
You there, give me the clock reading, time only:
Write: 1:07:20
